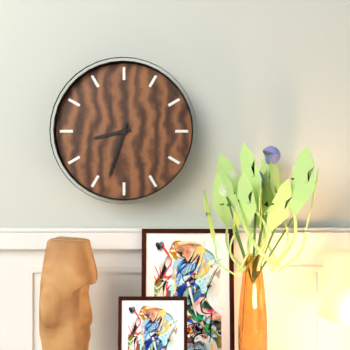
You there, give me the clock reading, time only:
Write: 8:33
